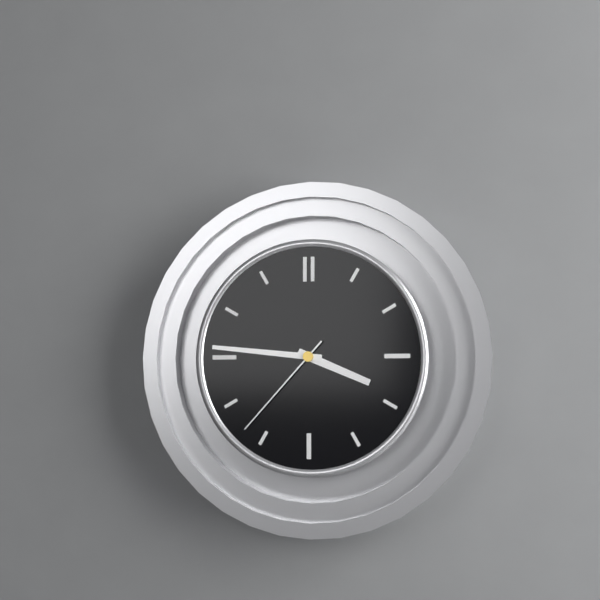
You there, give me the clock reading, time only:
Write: 3:46:37
